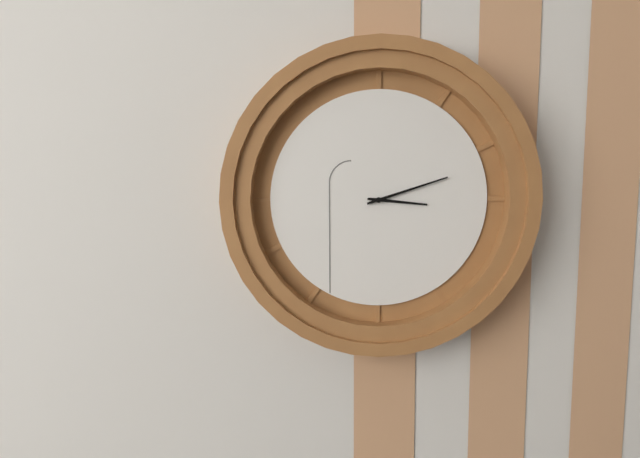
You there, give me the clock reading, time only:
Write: 3:12
